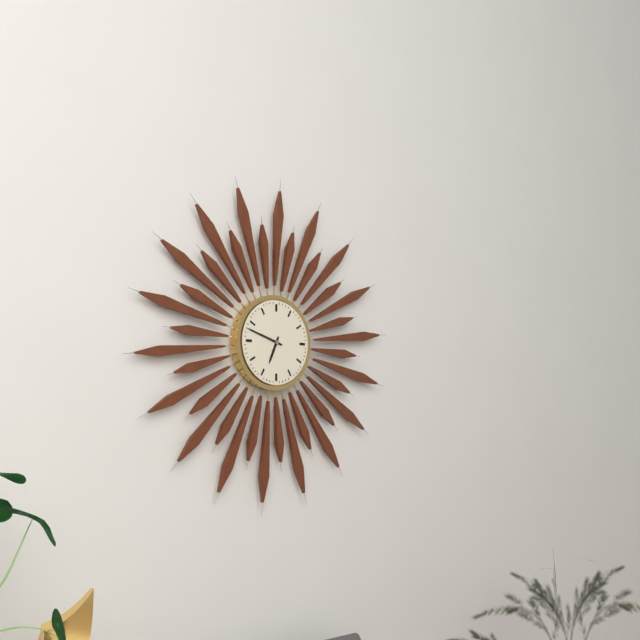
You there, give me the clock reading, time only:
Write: 6:48
